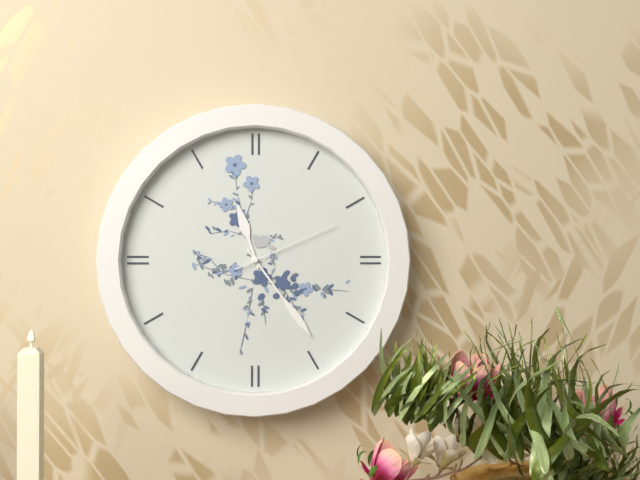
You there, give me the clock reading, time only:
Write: 11:24:11
